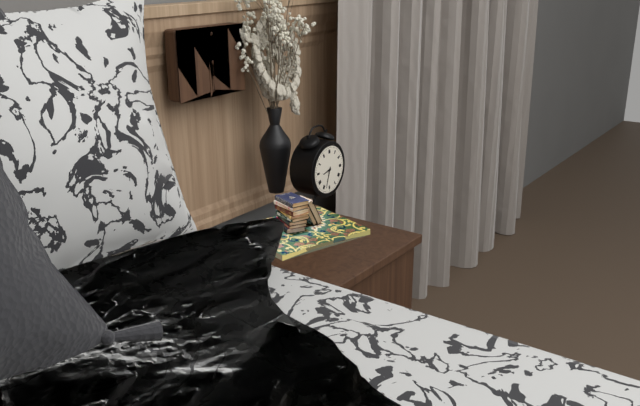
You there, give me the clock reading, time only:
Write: 8:33
